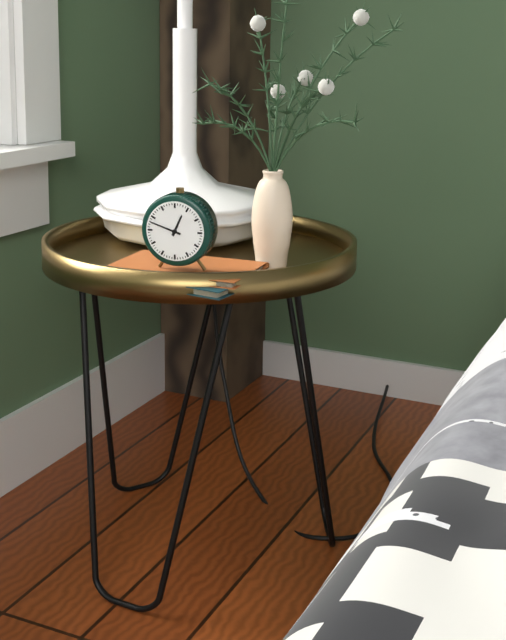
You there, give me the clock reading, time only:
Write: 12:48
